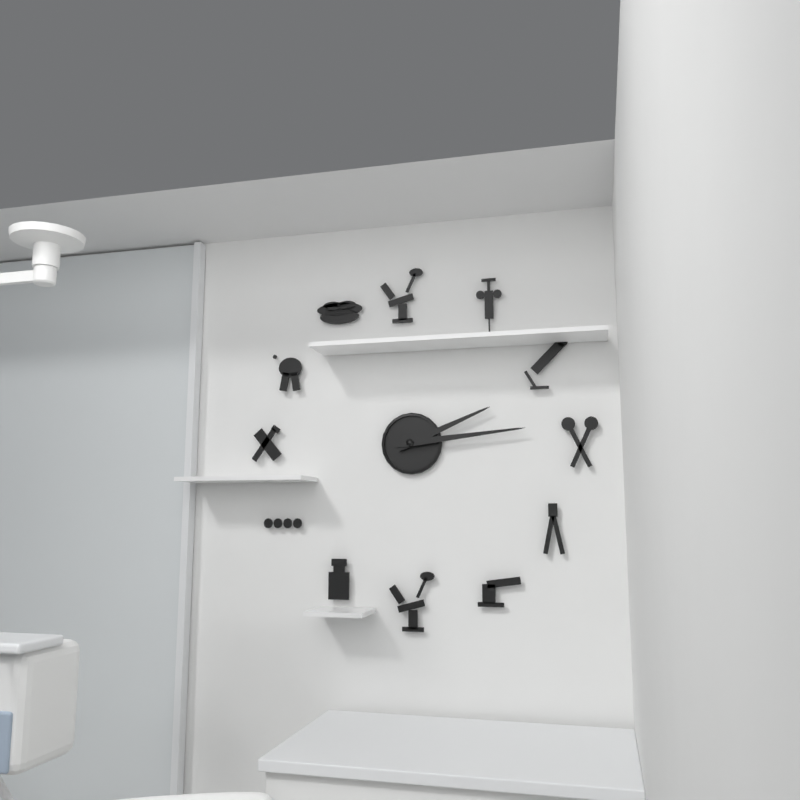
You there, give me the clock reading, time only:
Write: 2:14
